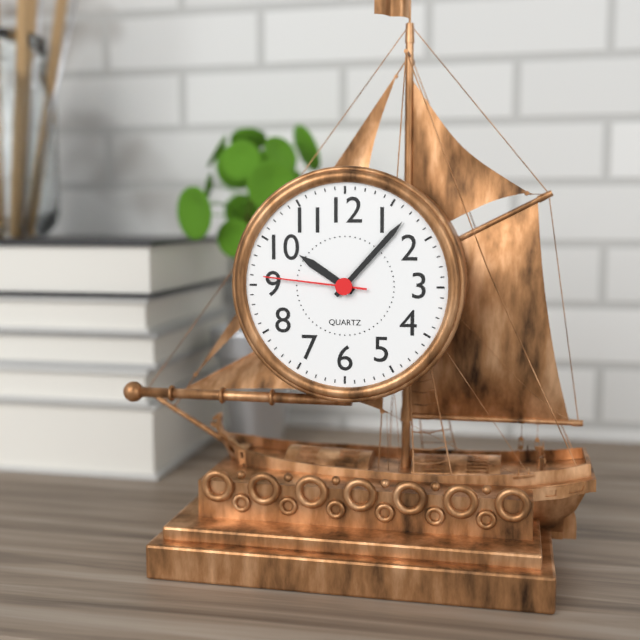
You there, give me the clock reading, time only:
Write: 10:07:46
